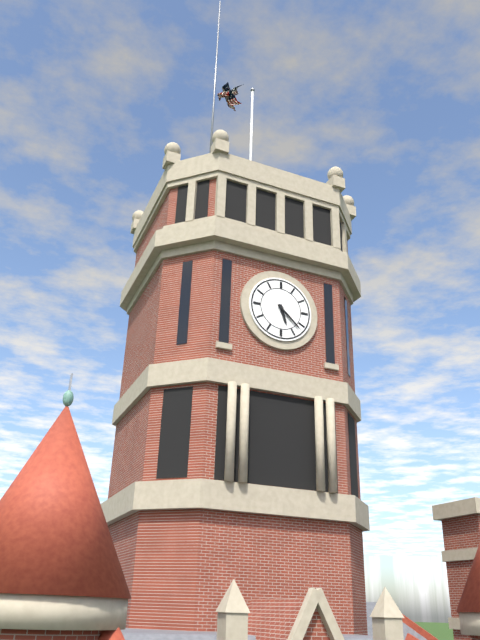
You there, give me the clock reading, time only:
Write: 5:22
